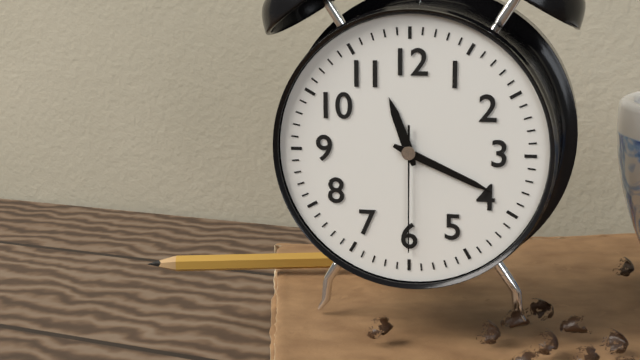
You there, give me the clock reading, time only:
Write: 11:19:30
